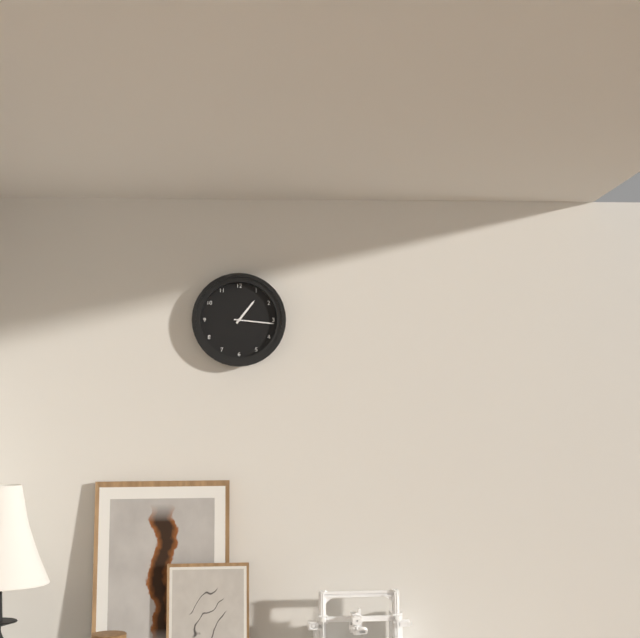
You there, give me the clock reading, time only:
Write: 1:16
